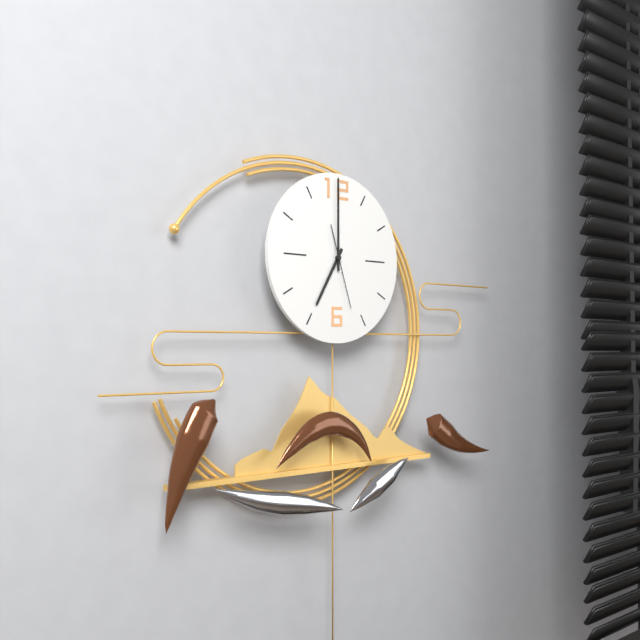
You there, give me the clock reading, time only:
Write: 7:00:27
